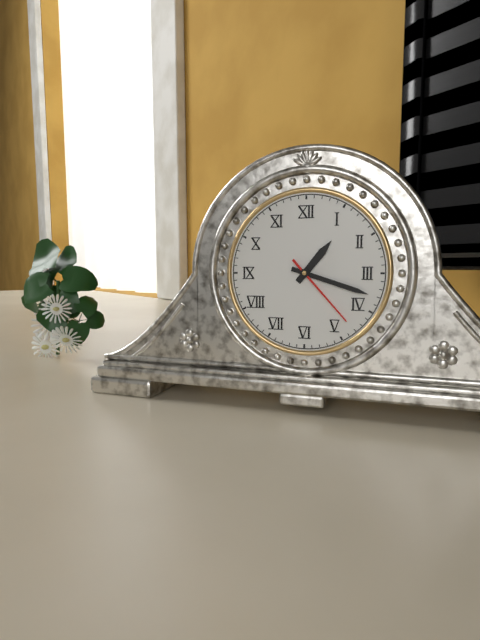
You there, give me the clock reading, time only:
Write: 1:18:23
